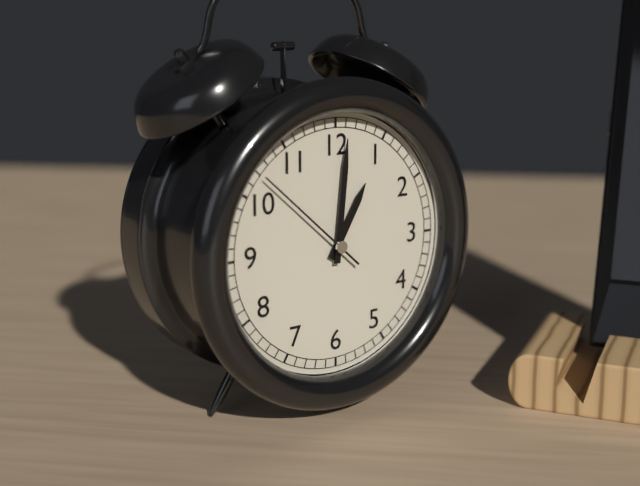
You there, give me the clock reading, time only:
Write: 1:01:52
